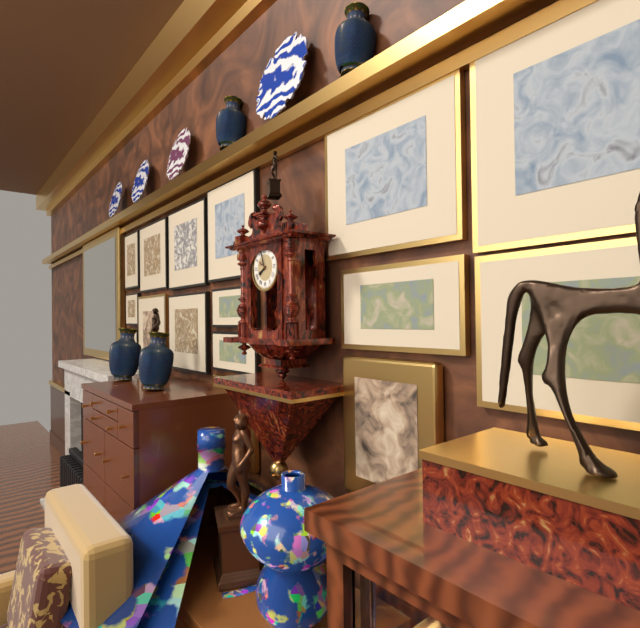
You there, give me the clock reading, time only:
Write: 7:57
